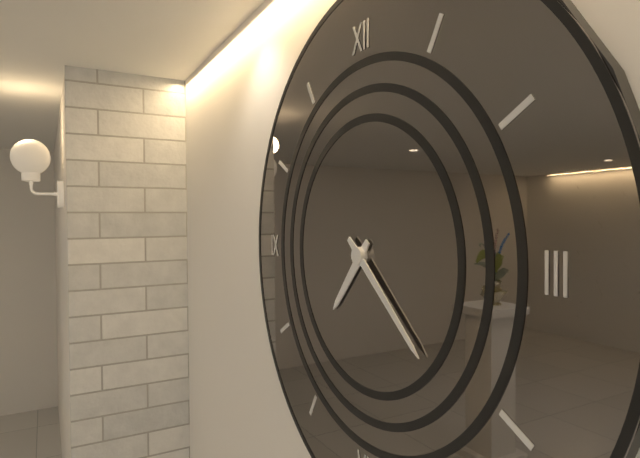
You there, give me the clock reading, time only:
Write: 7:22
